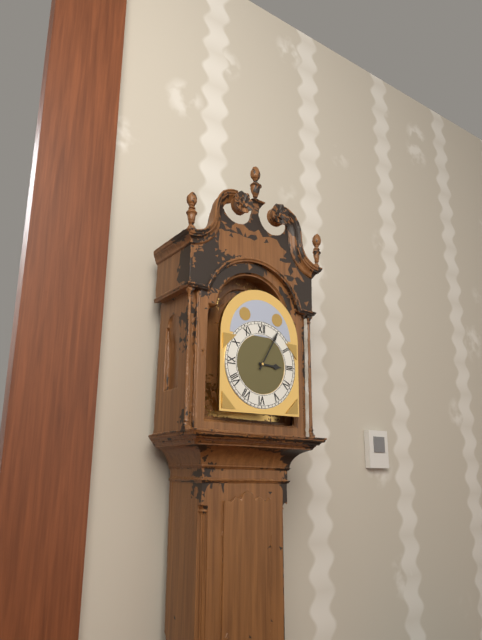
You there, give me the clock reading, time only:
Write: 3:05
